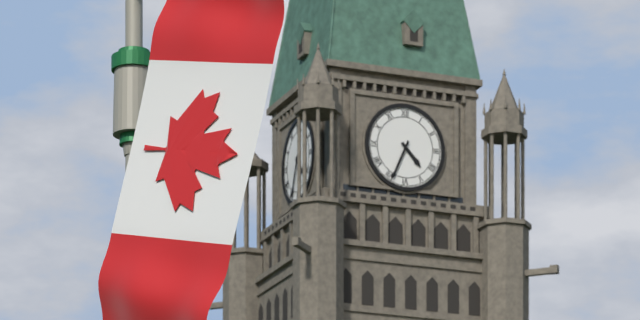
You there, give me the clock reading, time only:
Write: 4:34
